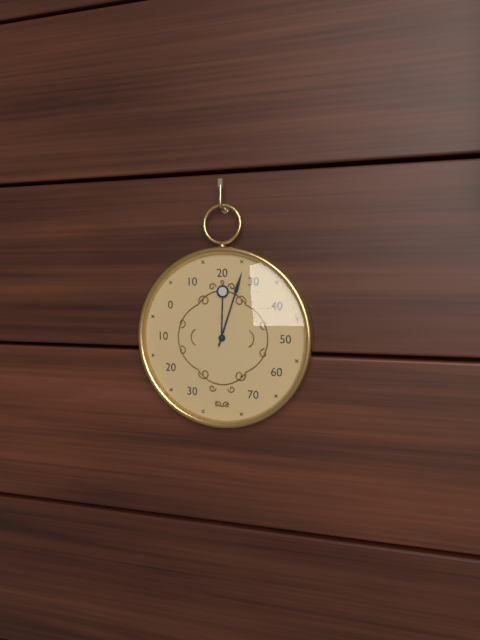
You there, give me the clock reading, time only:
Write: 12:03
